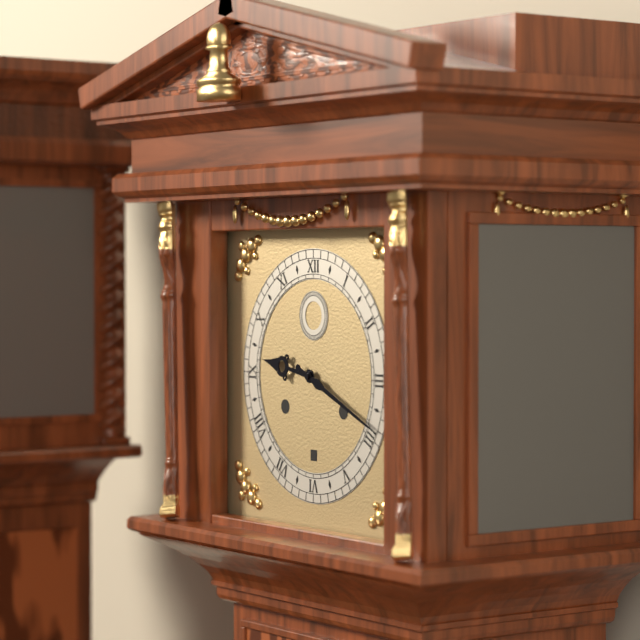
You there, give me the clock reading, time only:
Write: 9:19
